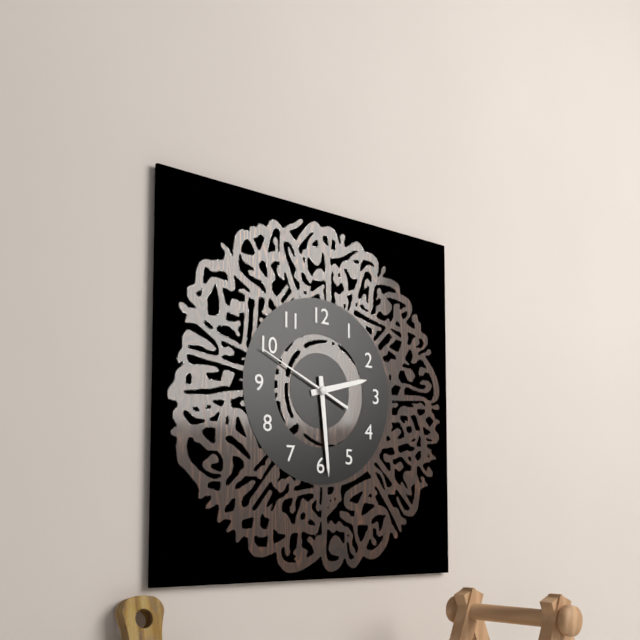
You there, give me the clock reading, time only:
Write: 2:29:49
